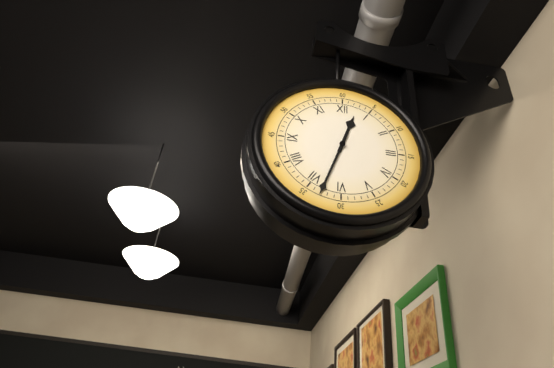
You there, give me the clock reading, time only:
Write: 12:33
